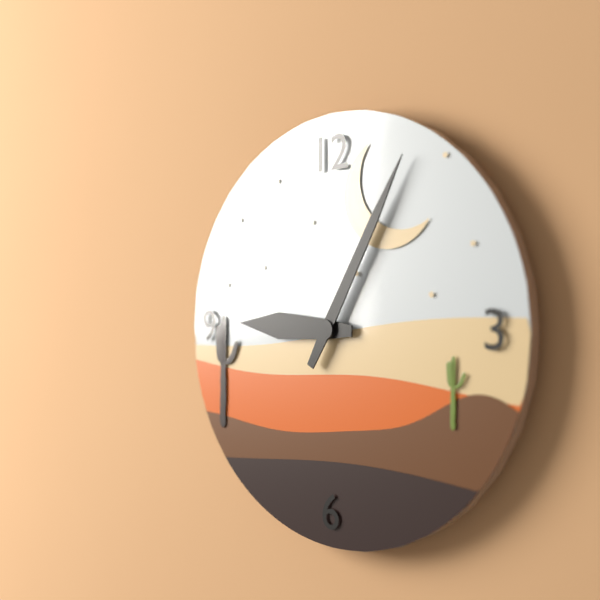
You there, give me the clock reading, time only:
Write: 9:05
